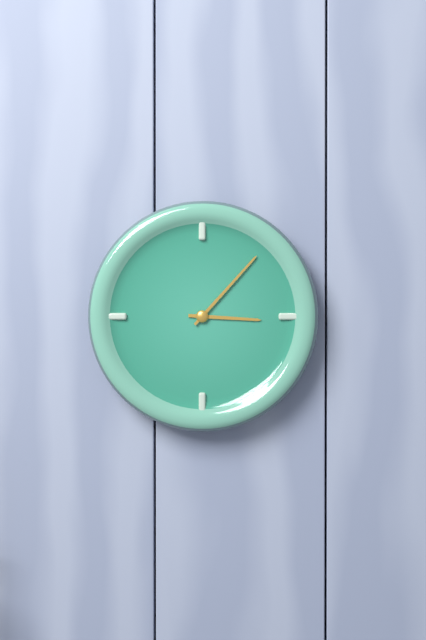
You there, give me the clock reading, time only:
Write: 3:07
